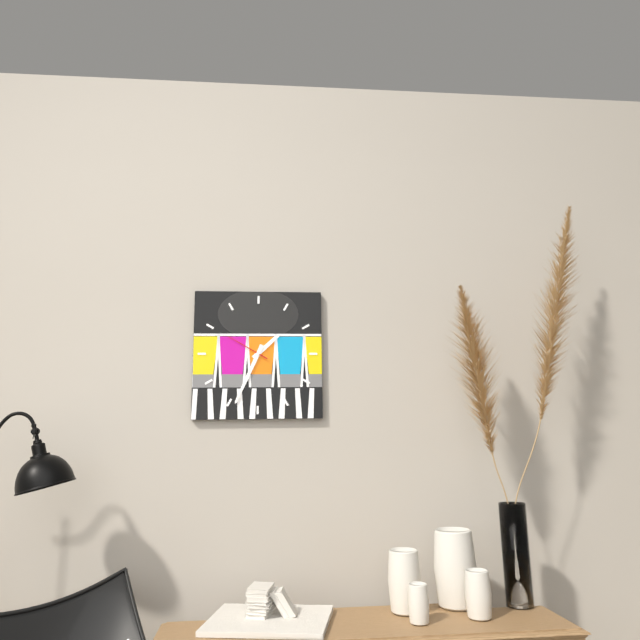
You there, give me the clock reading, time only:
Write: 1:34
